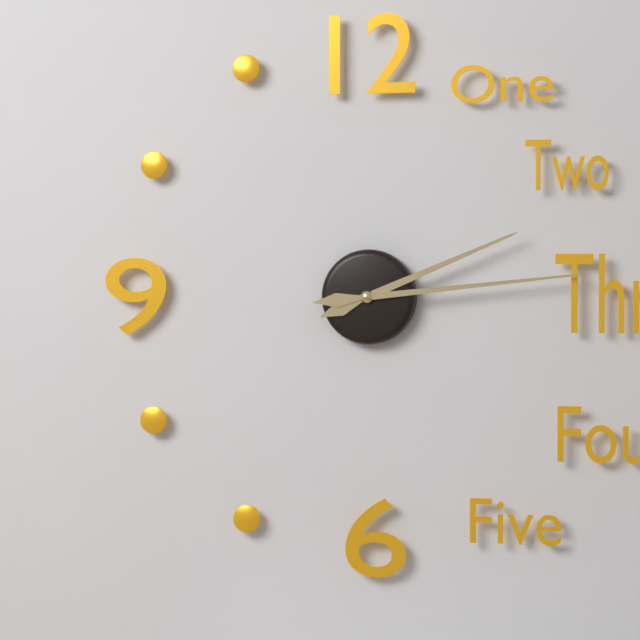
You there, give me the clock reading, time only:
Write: 2:14
